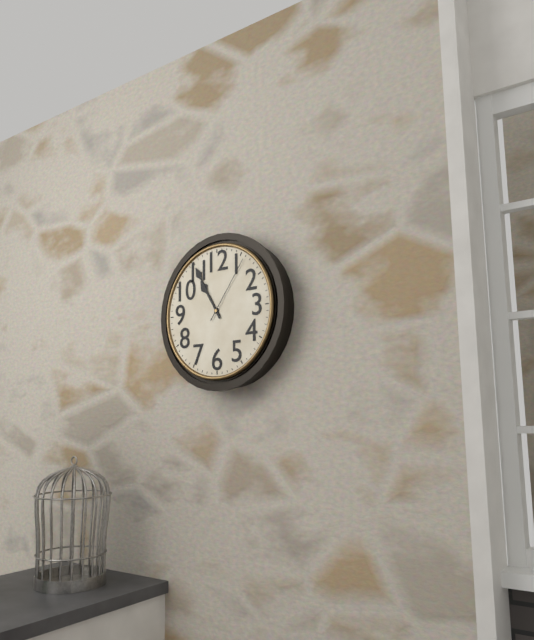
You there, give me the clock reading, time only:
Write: 10:55:06
